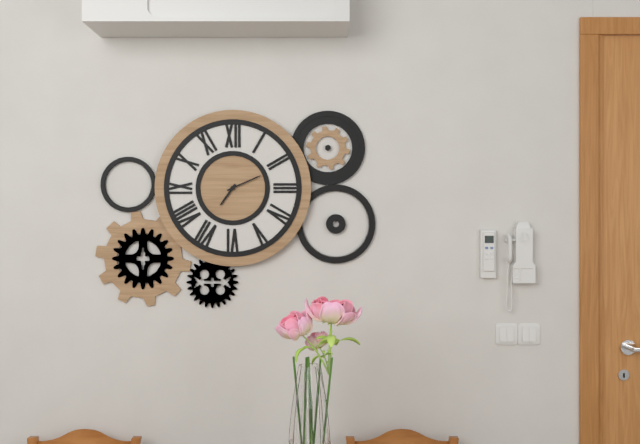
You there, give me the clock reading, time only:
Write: 7:11
